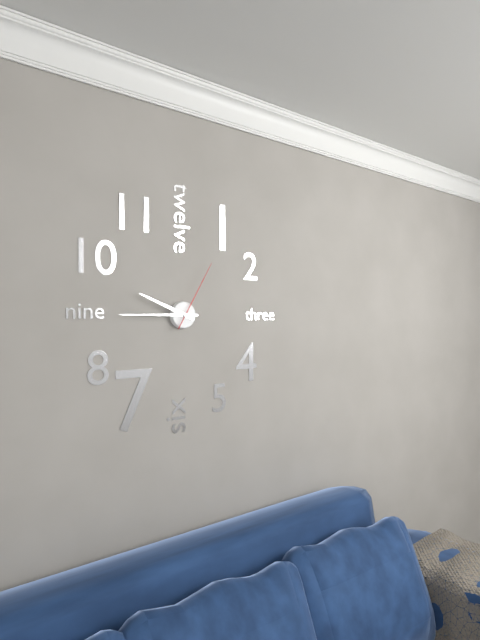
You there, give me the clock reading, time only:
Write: 9:45:05
